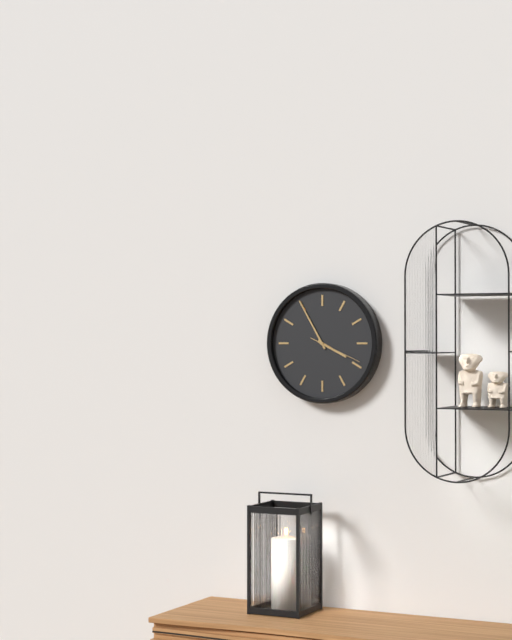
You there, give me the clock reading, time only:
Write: 3:55
